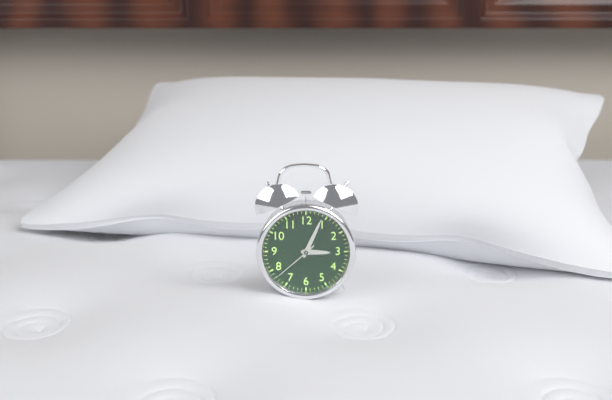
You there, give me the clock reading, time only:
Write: 3:04
